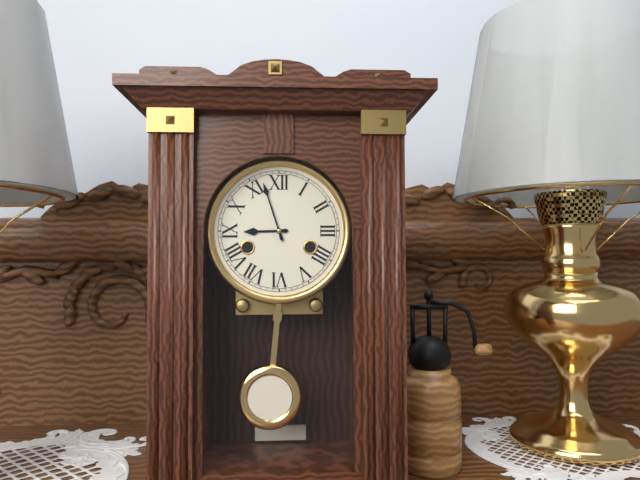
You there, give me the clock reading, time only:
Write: 8:57
